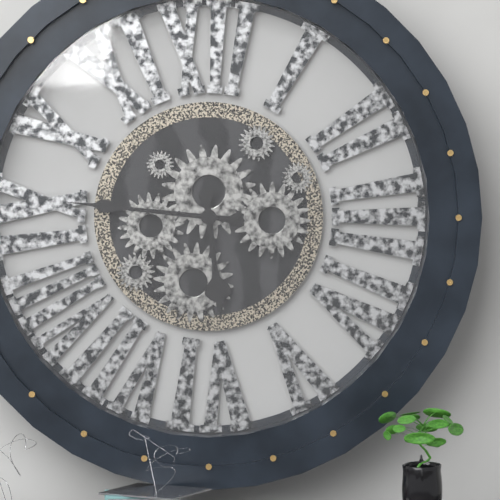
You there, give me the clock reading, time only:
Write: 5:46
